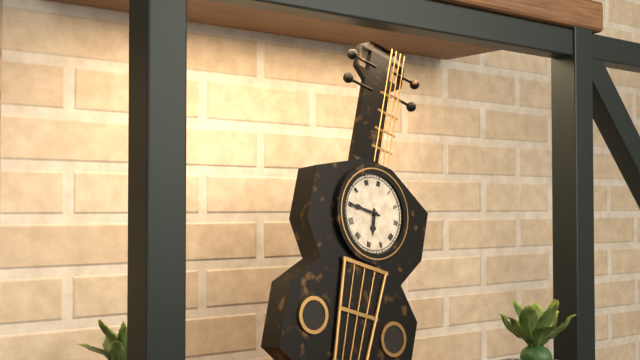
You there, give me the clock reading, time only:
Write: 5:45
